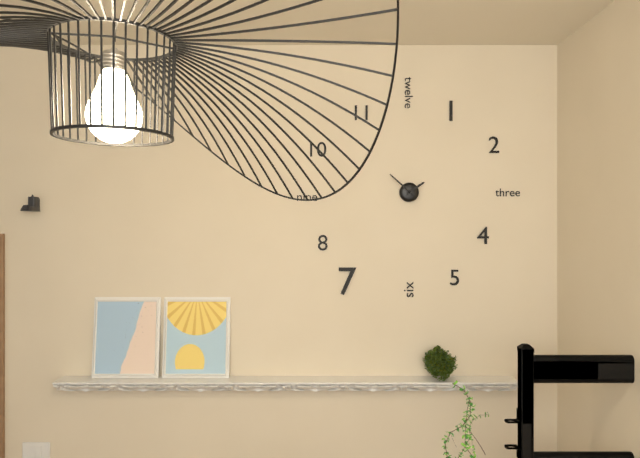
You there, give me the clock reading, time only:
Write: 1:52
